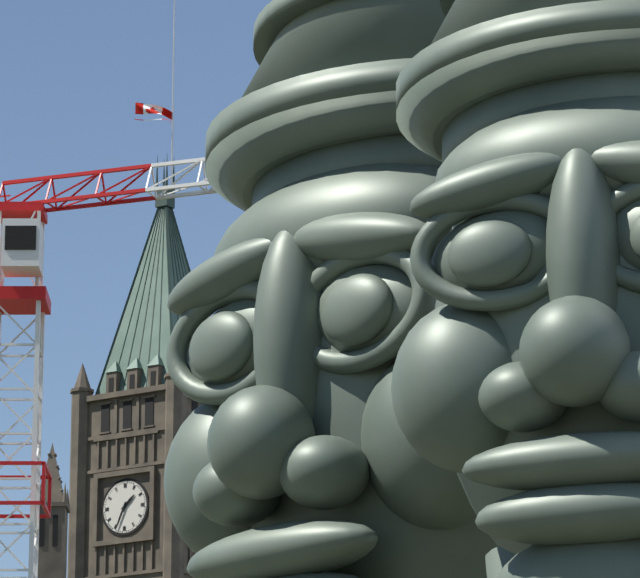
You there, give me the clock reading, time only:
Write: 1:34
